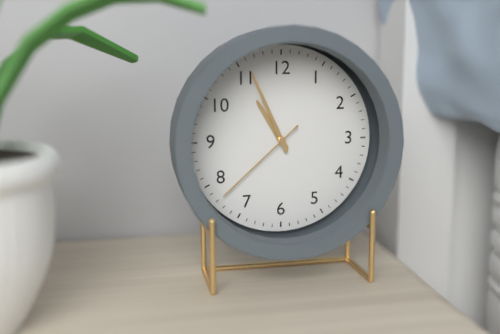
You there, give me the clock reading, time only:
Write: 10:56:38
